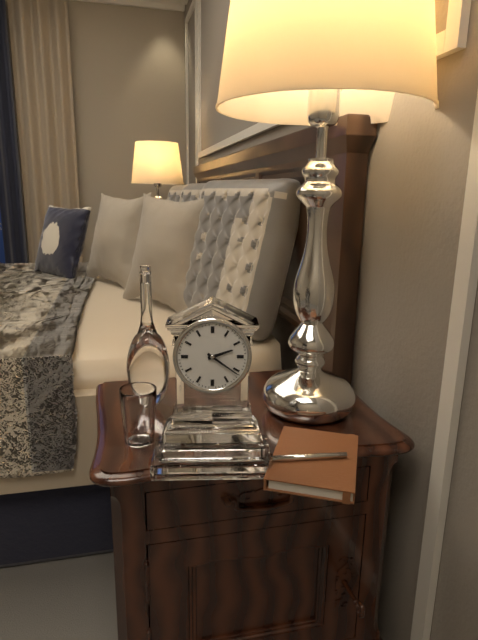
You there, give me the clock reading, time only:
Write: 2:21
